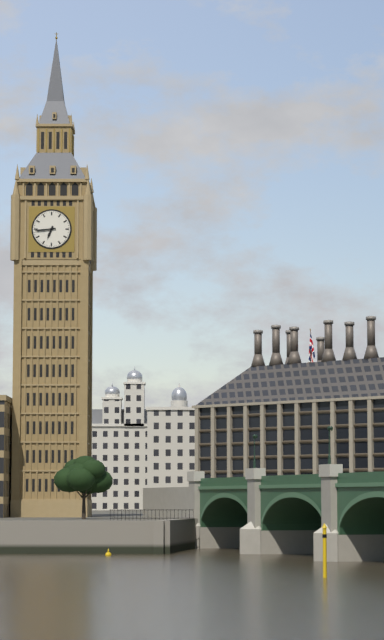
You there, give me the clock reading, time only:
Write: 6:44
